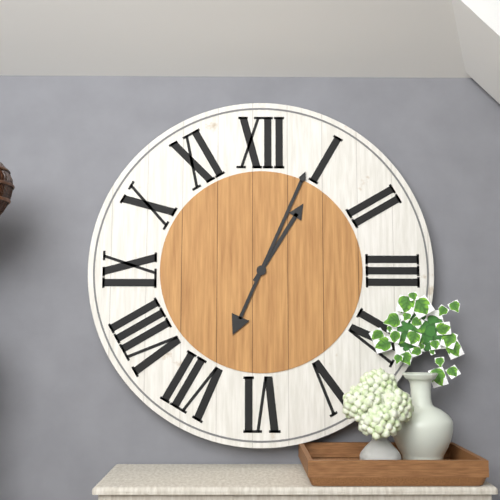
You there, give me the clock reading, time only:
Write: 1:04
